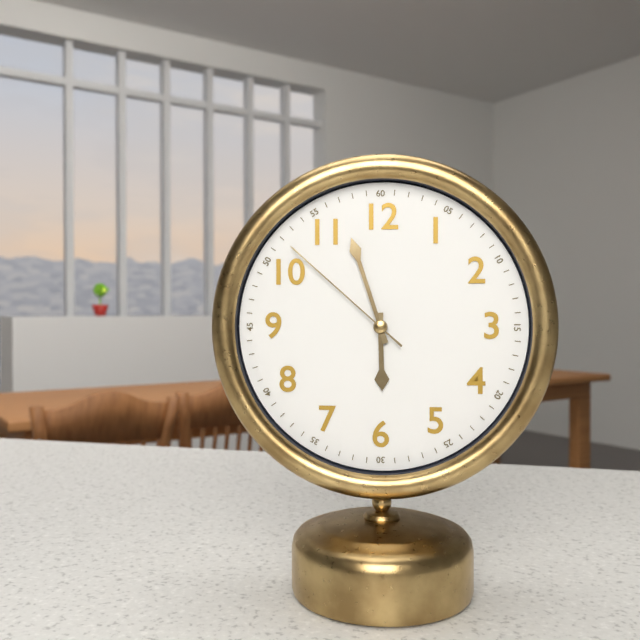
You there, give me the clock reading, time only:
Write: 5:57:52
